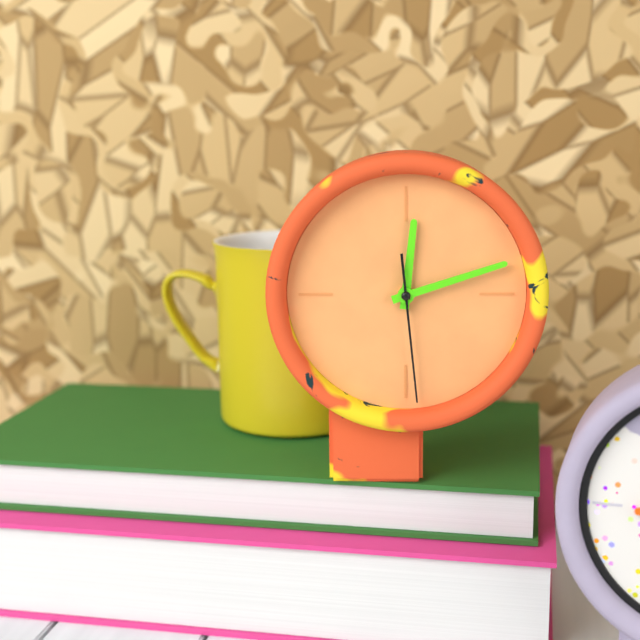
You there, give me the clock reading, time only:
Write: 12:12:29
